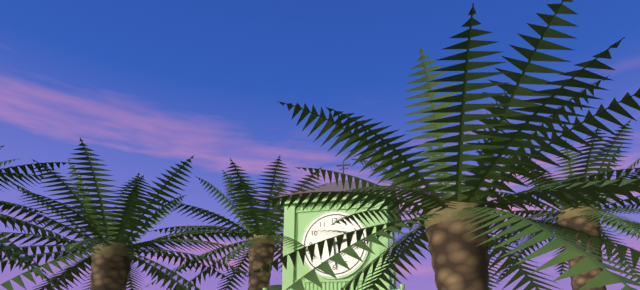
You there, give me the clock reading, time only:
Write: 2:29
